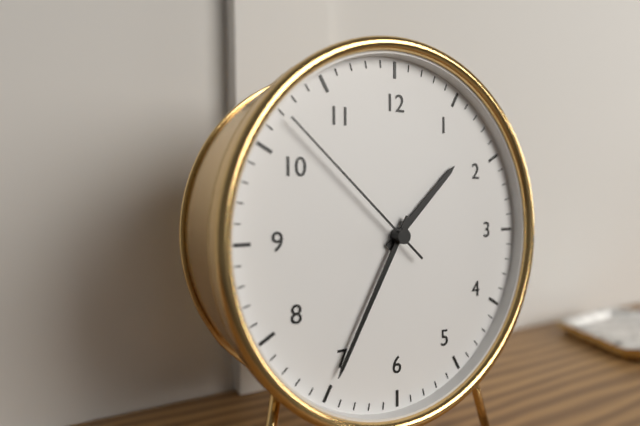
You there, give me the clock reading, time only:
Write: 1:35:52
